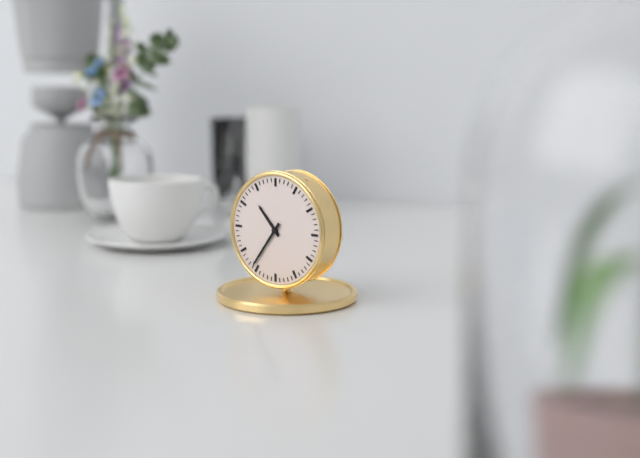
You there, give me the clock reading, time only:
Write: 10:36
